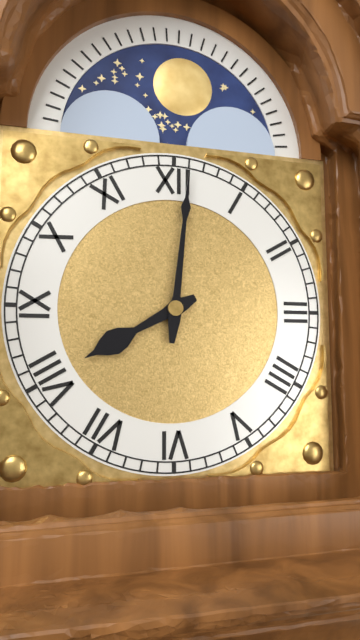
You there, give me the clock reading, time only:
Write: 8:01
